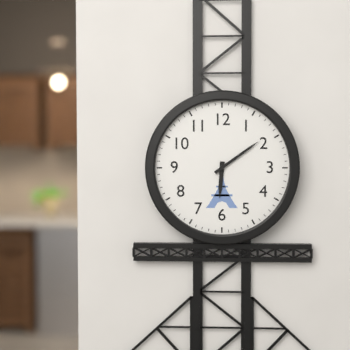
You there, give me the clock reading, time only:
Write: 6:09
